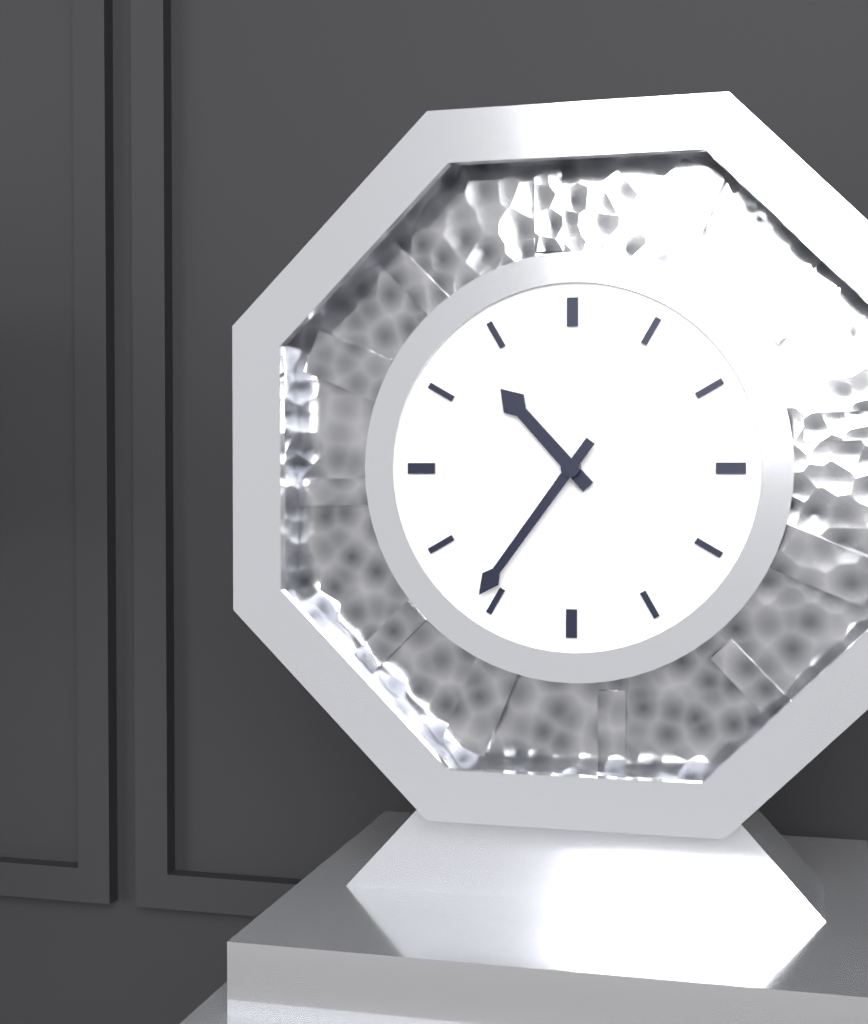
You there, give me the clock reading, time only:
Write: 10:36
